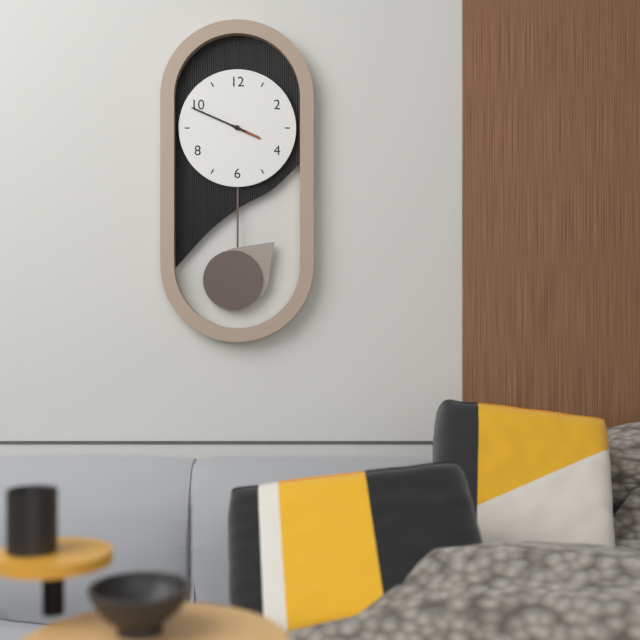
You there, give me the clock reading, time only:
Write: 3:49
